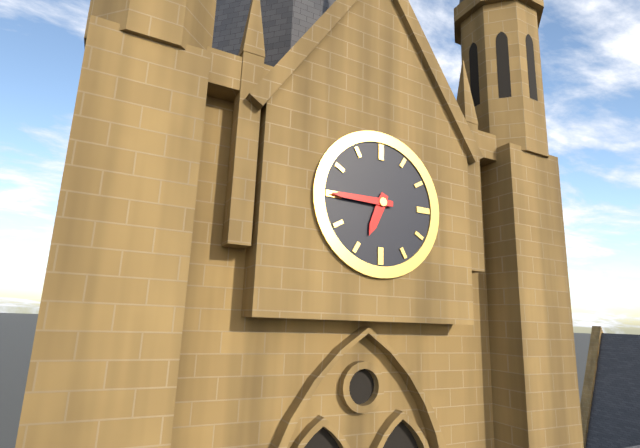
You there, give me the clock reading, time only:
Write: 6:45
